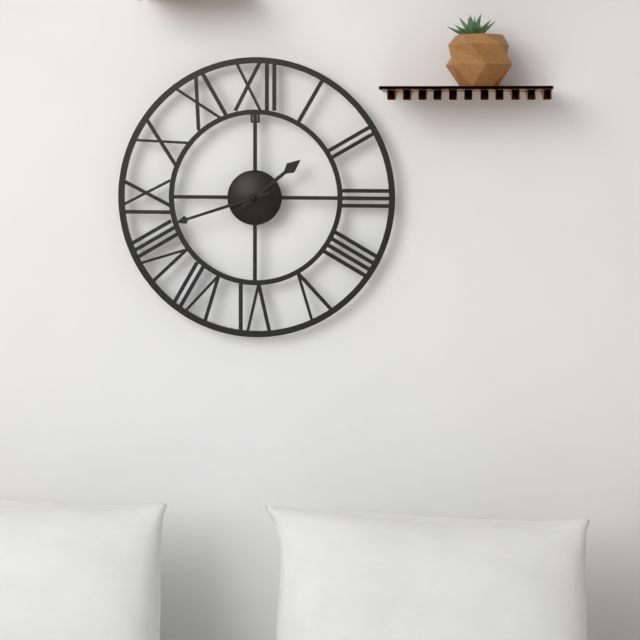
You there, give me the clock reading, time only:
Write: 1:42
